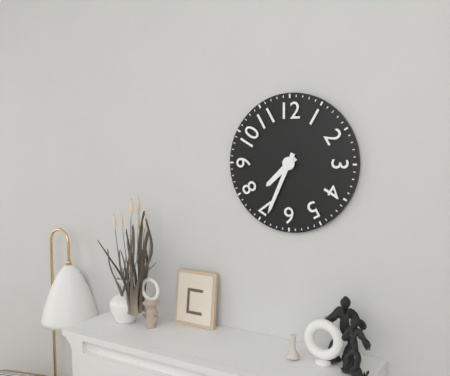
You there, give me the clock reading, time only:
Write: 7:34
